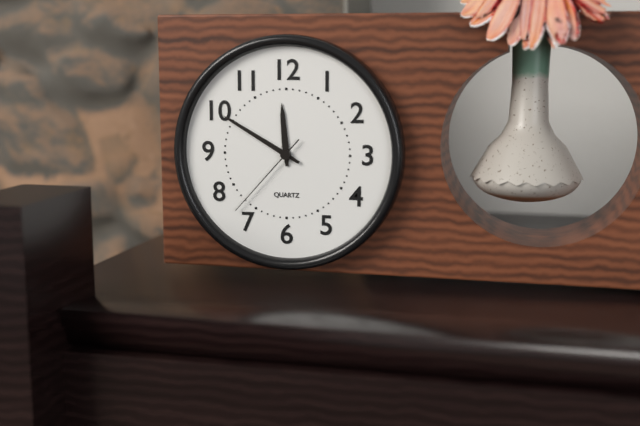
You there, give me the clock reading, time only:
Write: 11:50:37
